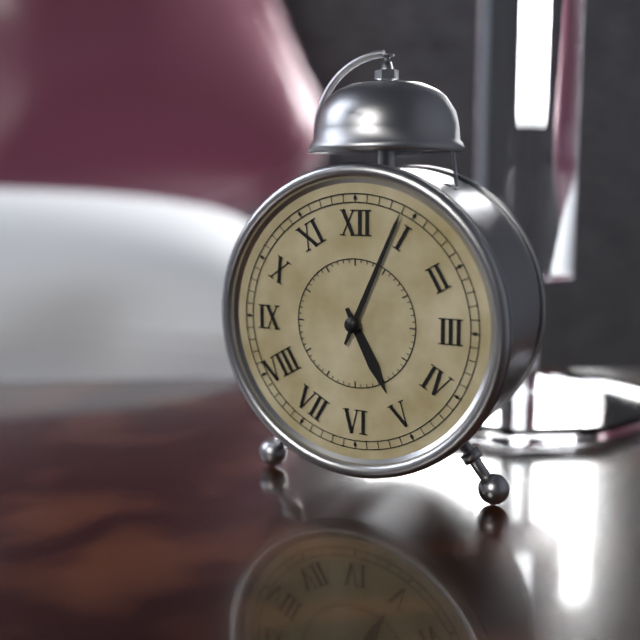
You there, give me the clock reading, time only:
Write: 5:04
